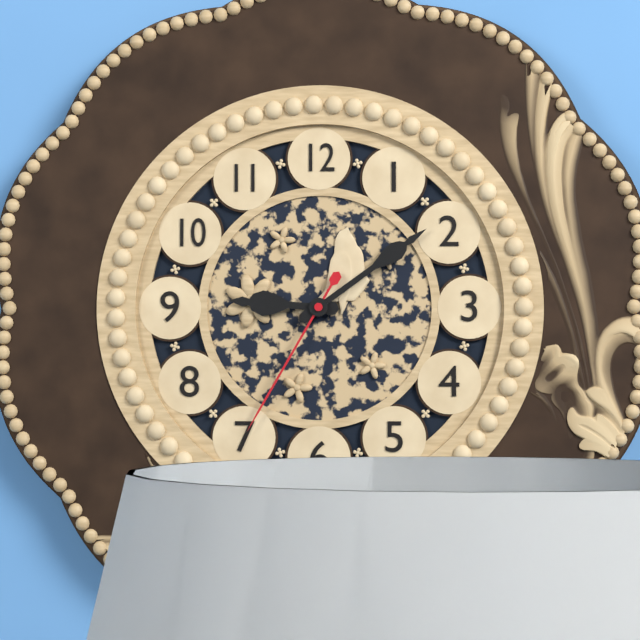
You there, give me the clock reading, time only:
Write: 9:09:35
